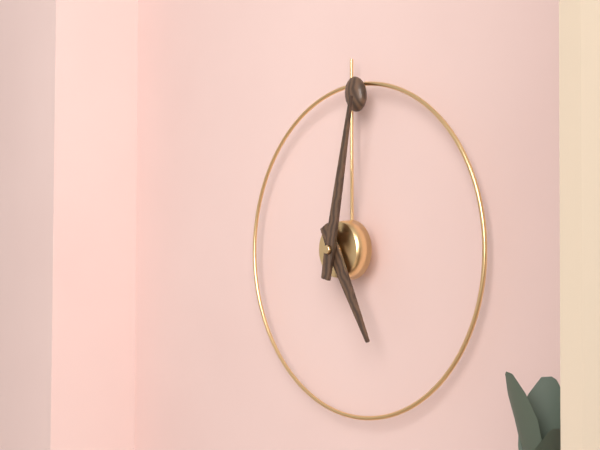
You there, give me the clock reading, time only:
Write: 5:02
